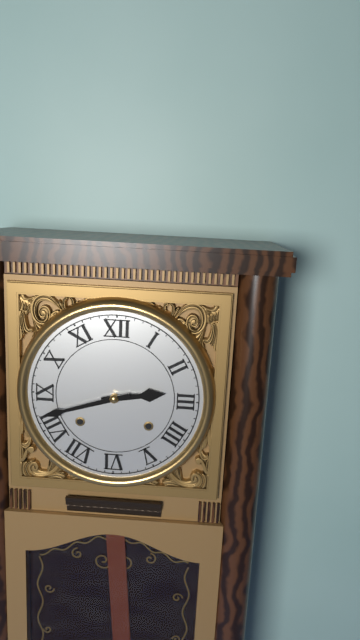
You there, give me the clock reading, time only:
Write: 2:42
